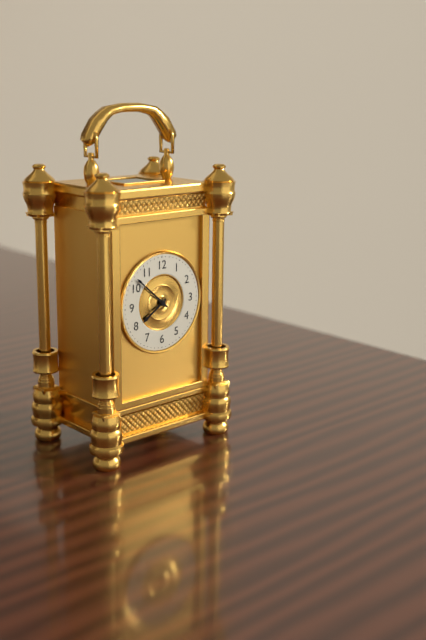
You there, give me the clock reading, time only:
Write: 7:52
